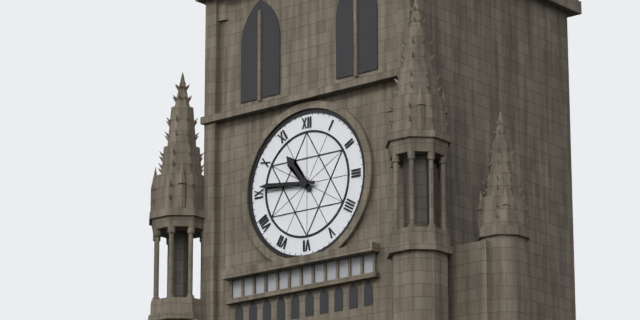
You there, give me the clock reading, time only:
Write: 10:46
